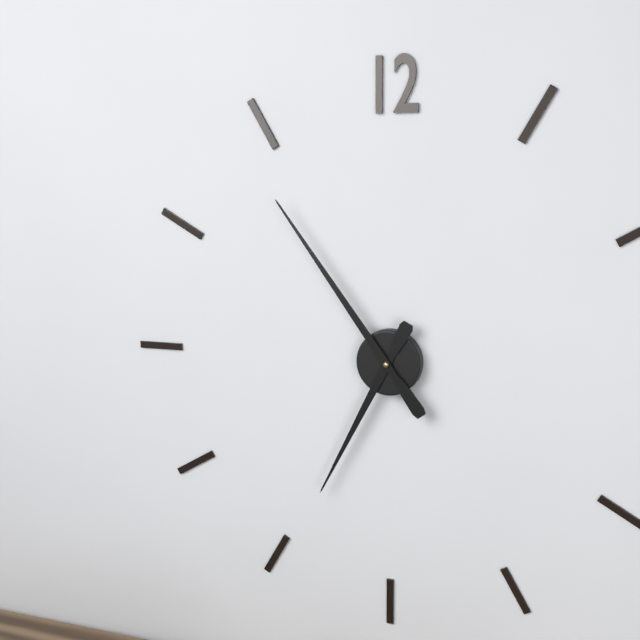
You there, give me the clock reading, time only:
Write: 6:54
